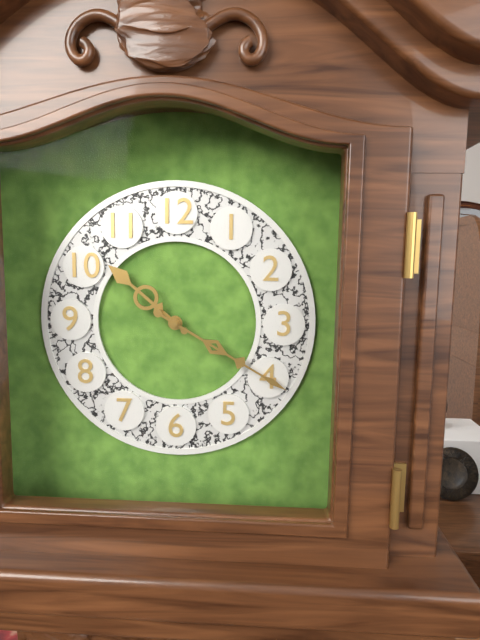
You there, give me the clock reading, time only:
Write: 10:20
